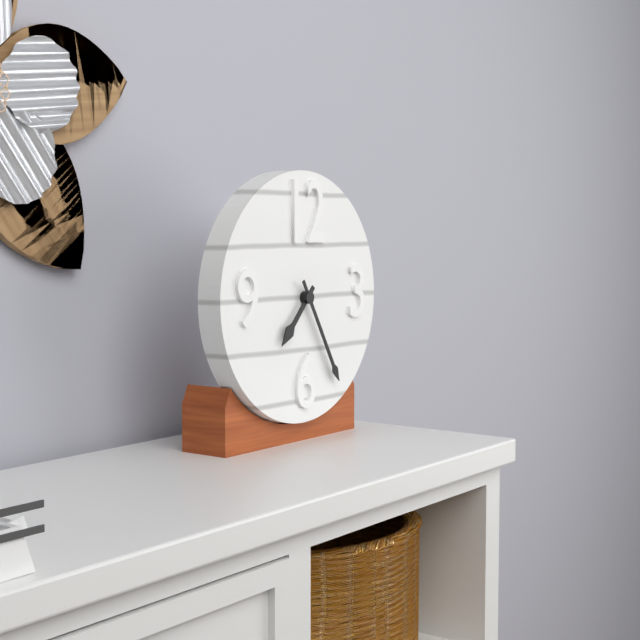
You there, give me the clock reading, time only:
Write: 7:25
